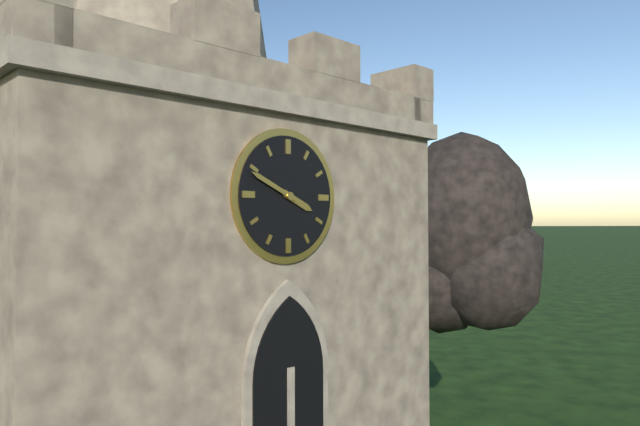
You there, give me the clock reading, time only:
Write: 3:49
